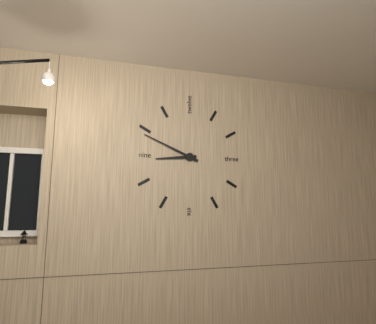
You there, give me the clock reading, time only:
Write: 8:49
